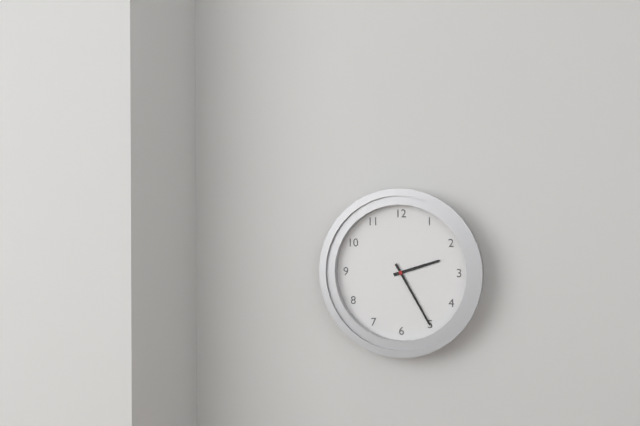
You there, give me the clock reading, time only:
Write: 2:25
